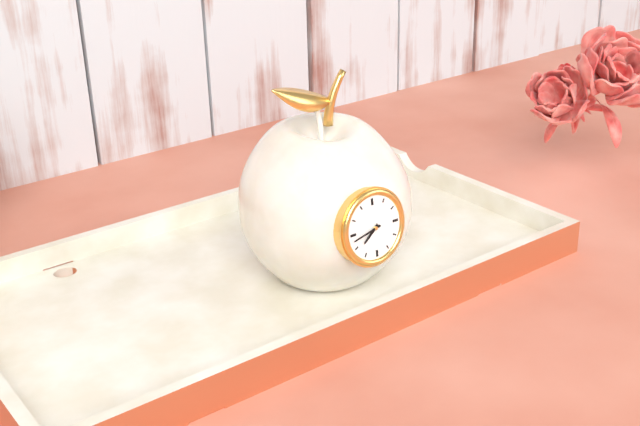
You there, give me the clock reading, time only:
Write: 7:43
